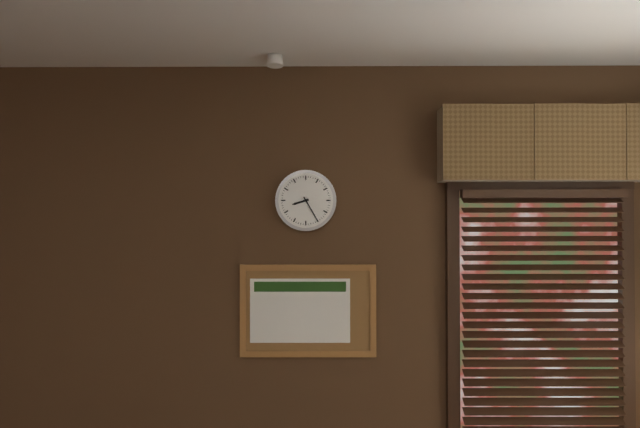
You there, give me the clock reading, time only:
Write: 8:25
